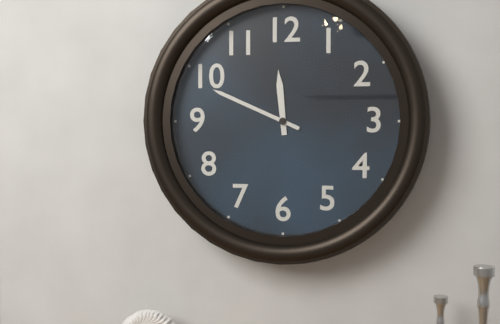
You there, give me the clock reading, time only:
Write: 11:49
